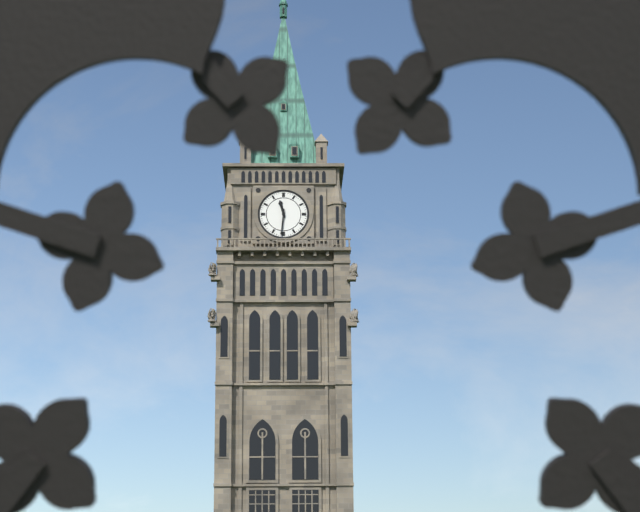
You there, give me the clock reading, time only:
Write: 11:31
